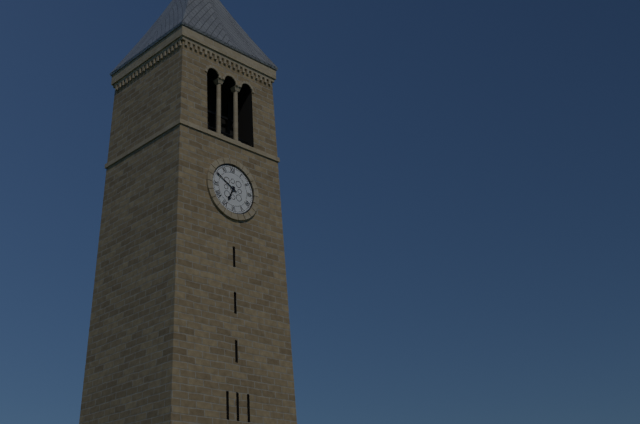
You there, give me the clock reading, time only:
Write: 6:50
